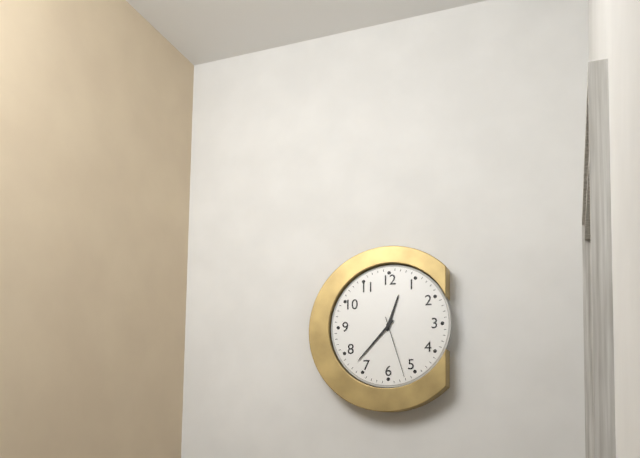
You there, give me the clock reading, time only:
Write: 12:37:27
